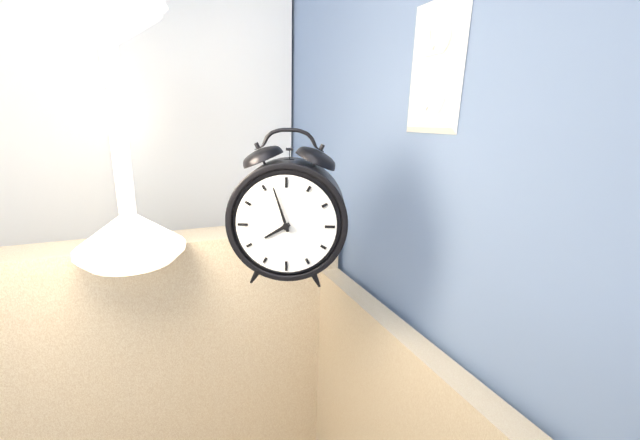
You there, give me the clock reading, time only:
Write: 7:57
